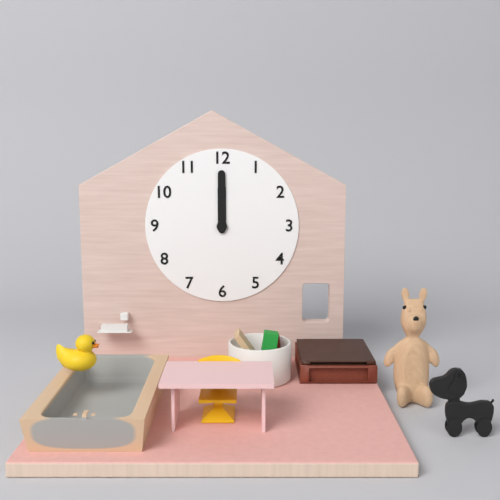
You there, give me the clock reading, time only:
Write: 12:00
